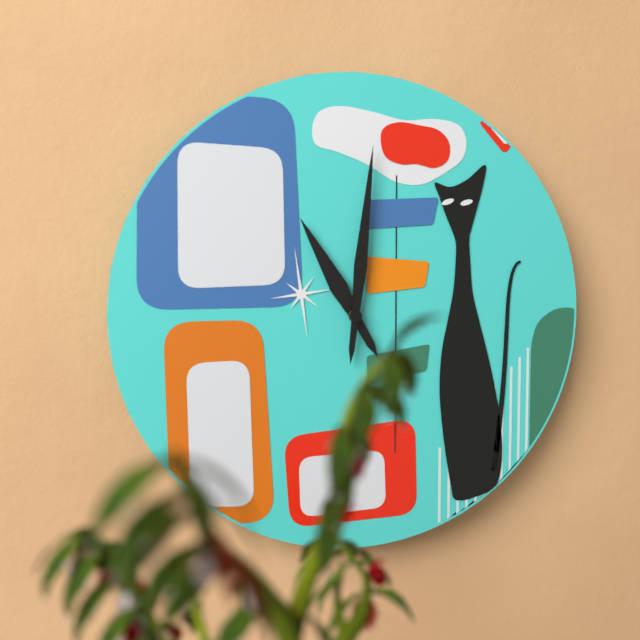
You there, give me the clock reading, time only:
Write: 11:01
